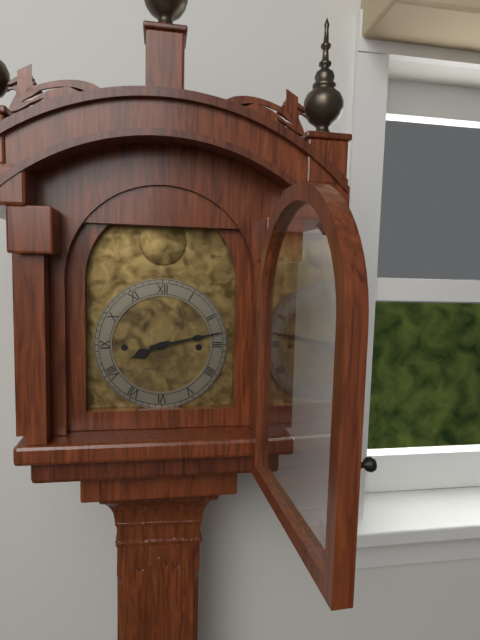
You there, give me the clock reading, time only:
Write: 8:13
